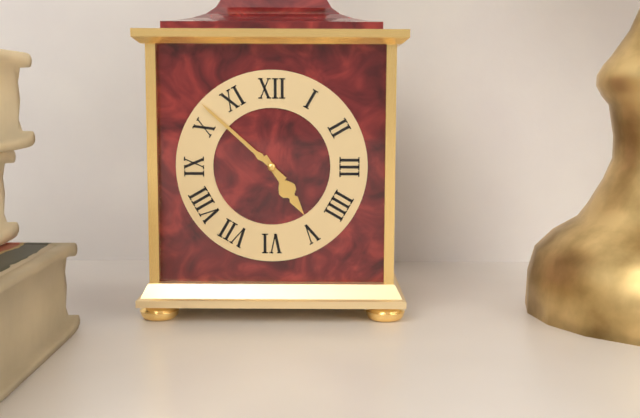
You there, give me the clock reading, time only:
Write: 4:52
